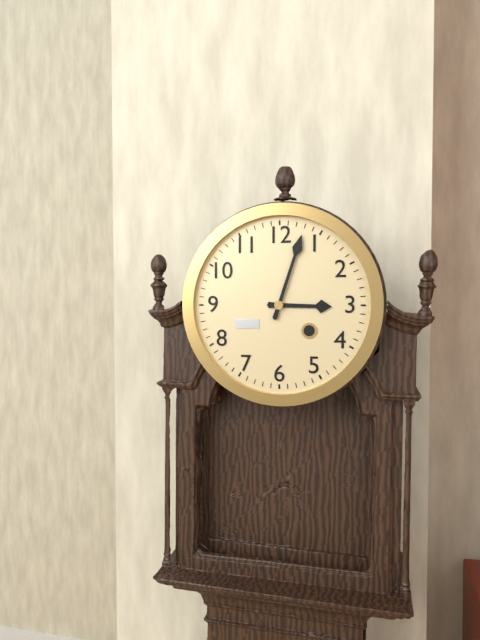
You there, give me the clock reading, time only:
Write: 3:03
